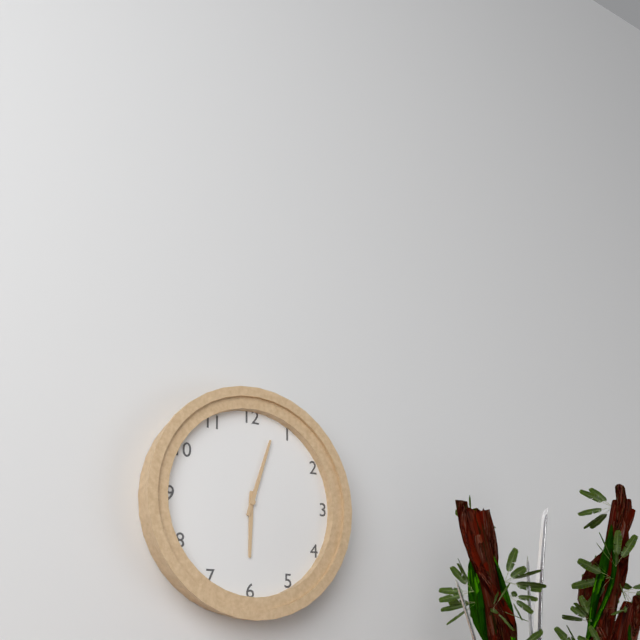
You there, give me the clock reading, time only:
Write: 6:03
